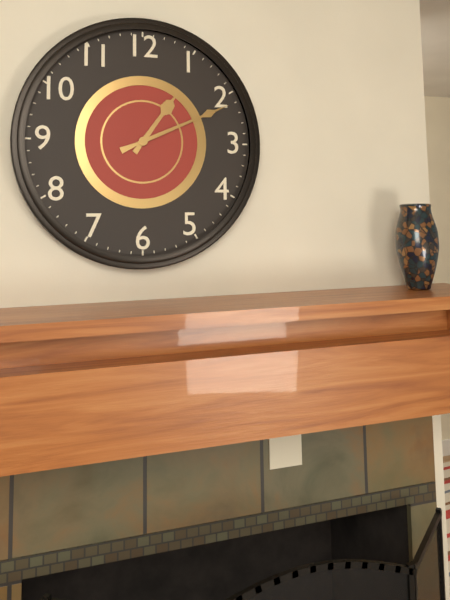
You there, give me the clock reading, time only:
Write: 1:11
